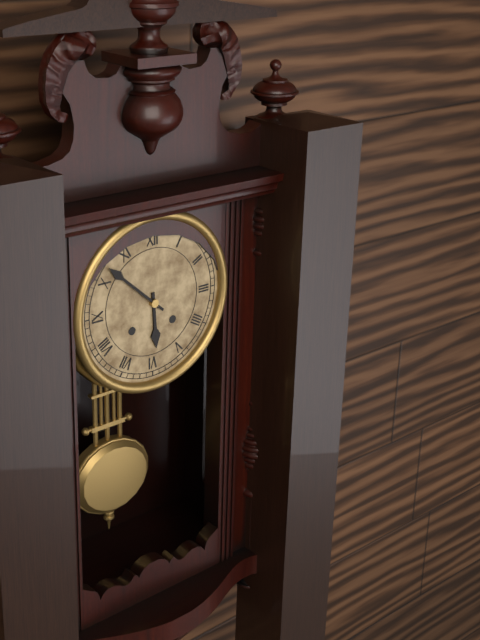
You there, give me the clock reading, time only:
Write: 5:52
